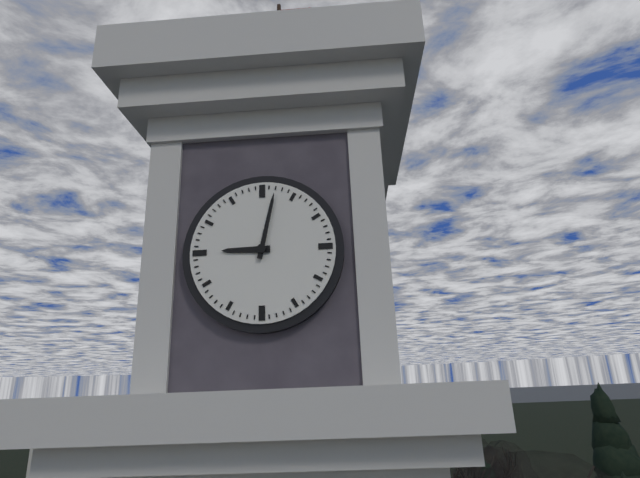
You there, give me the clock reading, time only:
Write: 9:02
